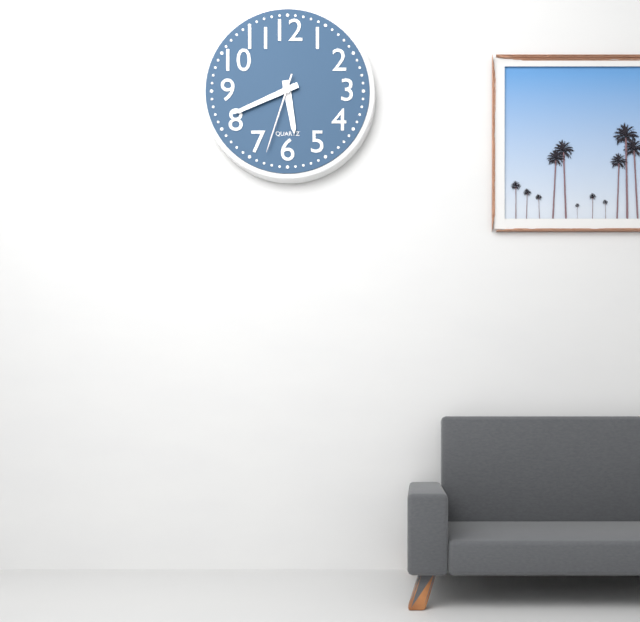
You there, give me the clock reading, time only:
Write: 5:41:33
